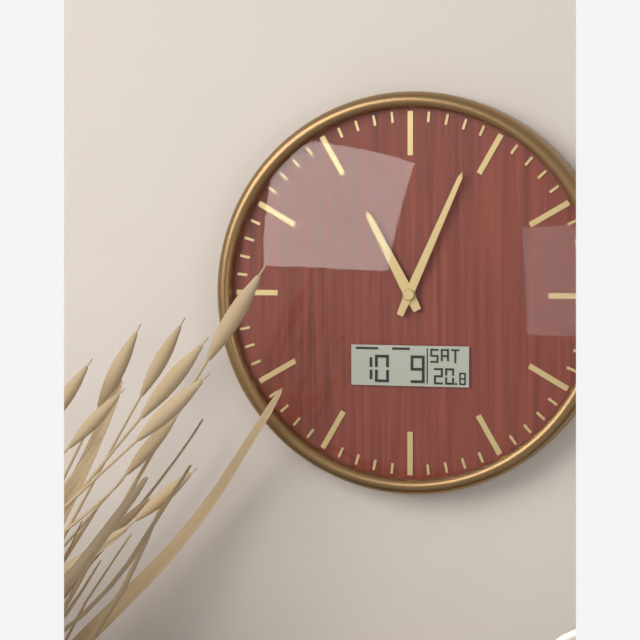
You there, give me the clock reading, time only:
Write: 11:04
